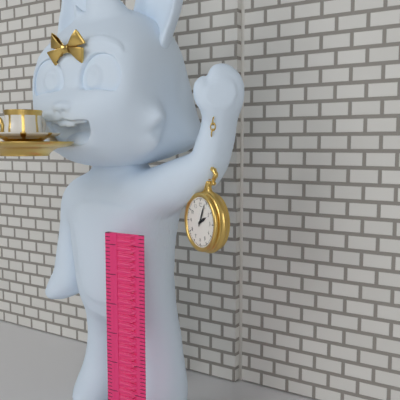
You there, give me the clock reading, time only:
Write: 2:04
